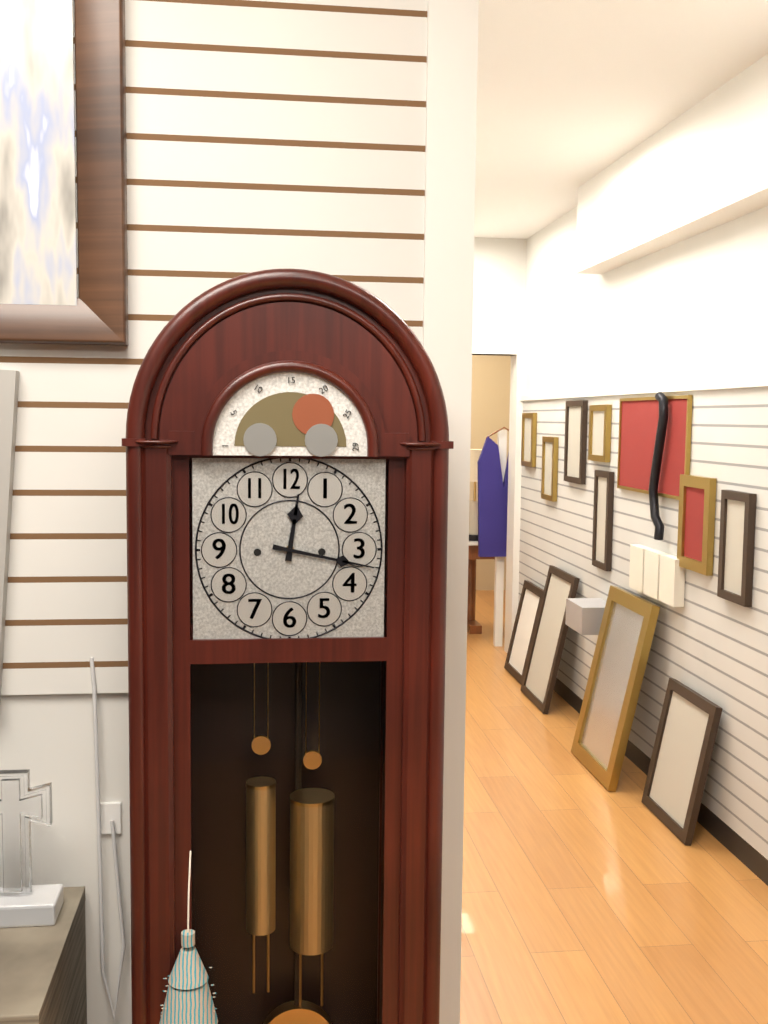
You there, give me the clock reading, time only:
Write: 12:17
